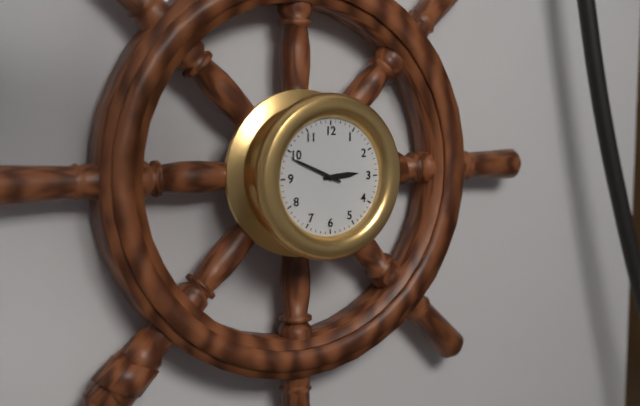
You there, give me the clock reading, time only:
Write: 2:49
